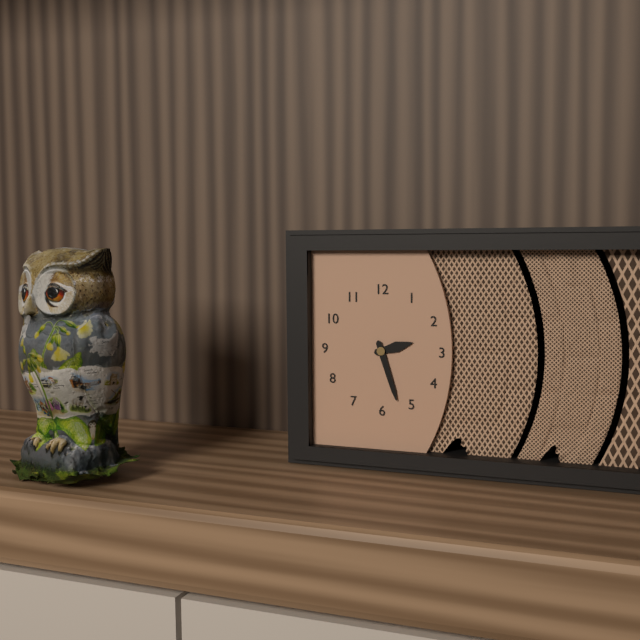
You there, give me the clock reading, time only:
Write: 2:27
